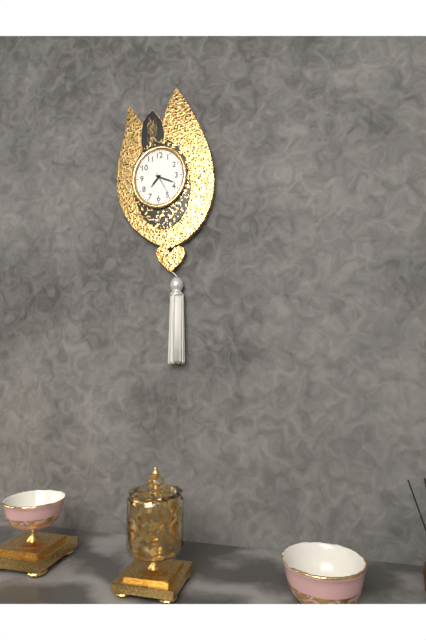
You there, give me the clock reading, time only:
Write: 7:19
